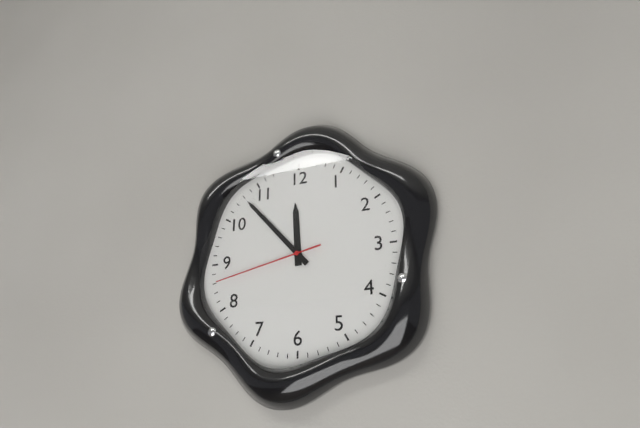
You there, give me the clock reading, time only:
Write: 11:53:43
